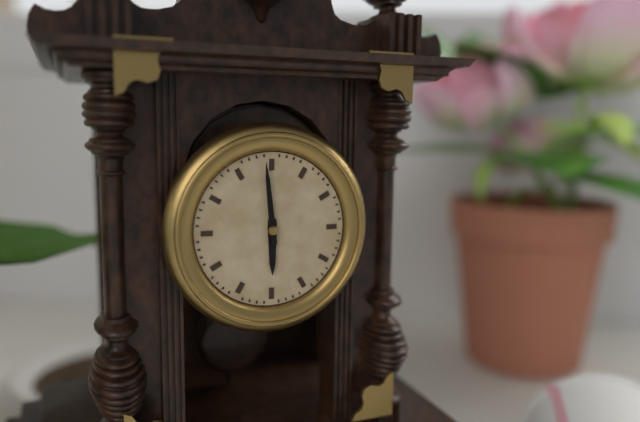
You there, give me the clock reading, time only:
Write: 5:59
